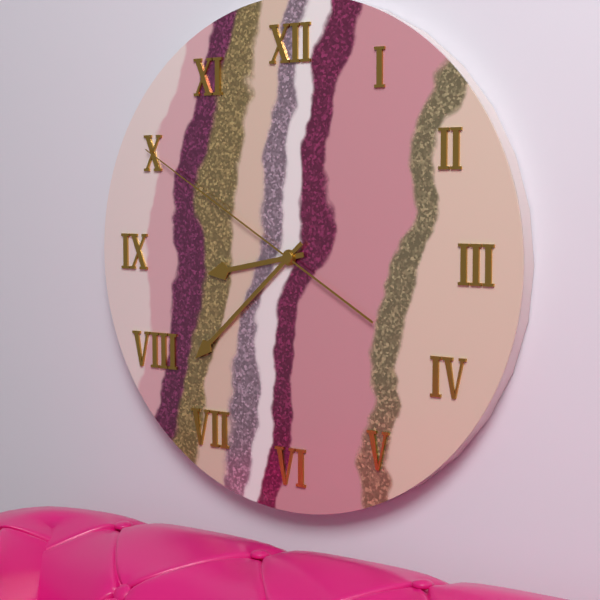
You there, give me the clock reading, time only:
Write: 8:38:50
